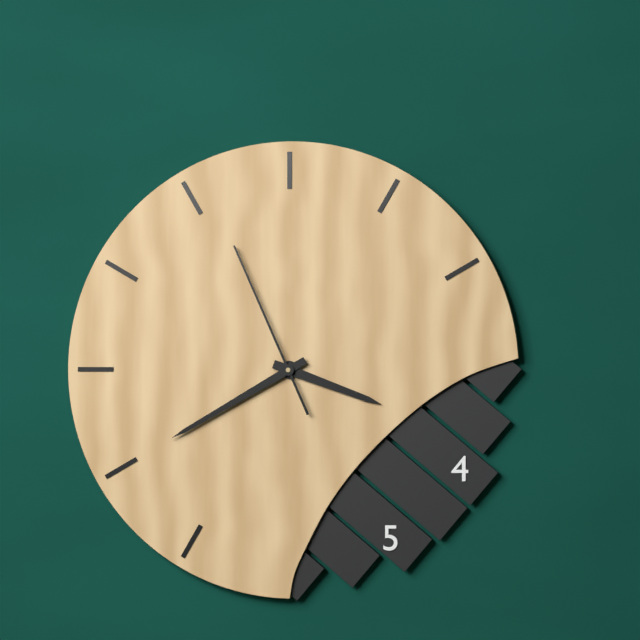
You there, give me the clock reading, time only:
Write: 3:40:56
